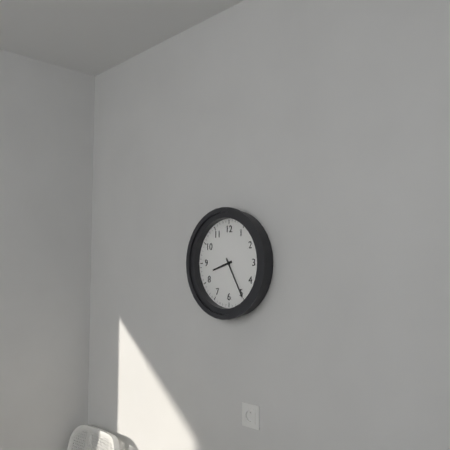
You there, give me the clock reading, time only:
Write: 8:25
